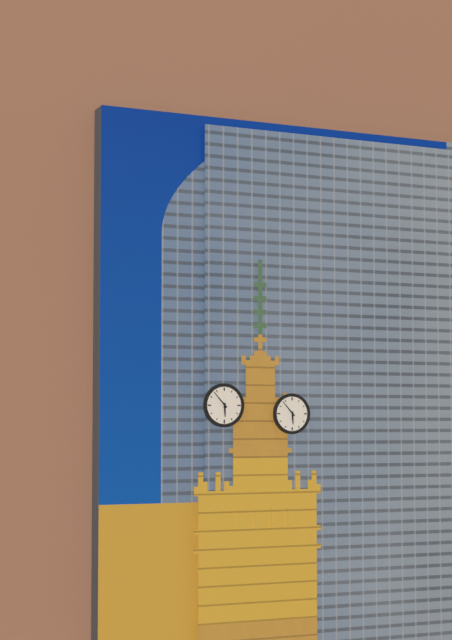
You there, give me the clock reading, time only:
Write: 5:53
